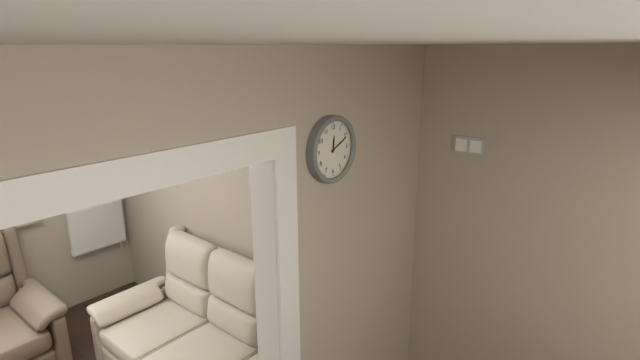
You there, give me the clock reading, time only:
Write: 12:11
